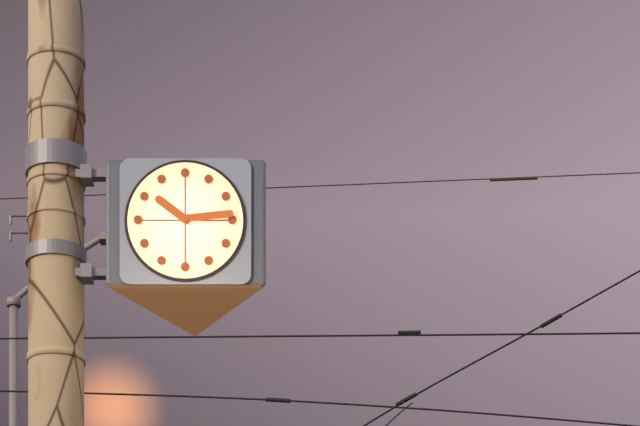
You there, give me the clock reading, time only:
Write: 10:14
